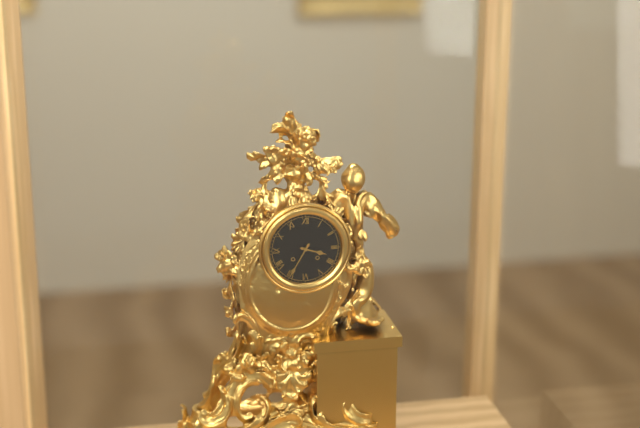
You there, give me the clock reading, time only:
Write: 3:35
